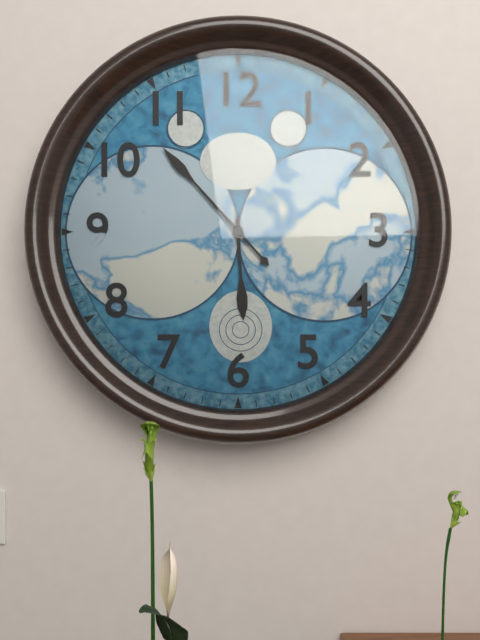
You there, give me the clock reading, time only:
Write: 5:53
